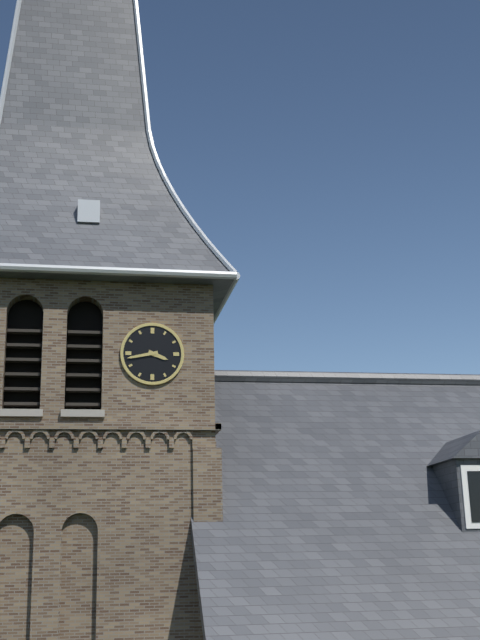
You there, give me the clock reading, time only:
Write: 3:43
